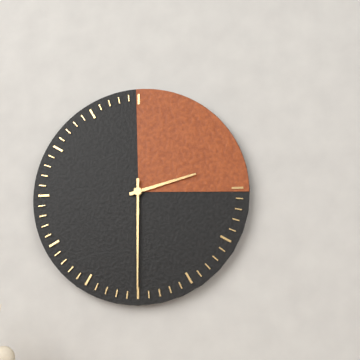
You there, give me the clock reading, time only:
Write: 2:30
